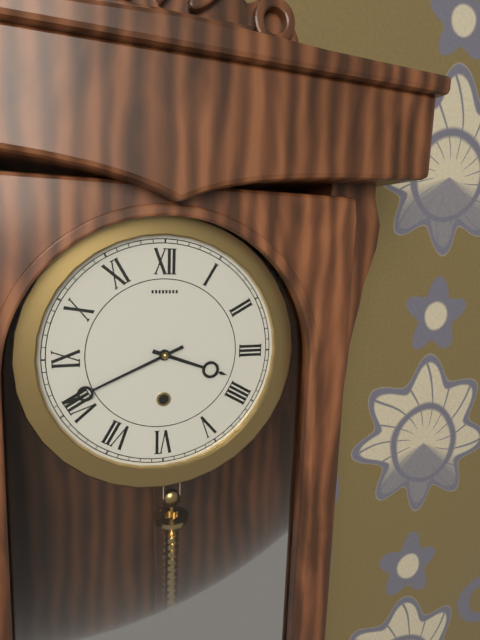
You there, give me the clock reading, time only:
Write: 3:41
